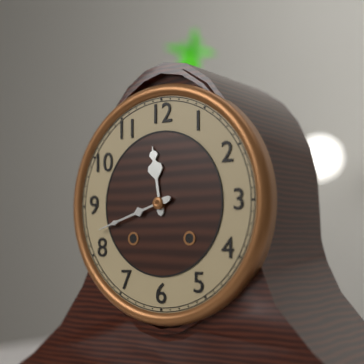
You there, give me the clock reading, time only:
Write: 11:42
